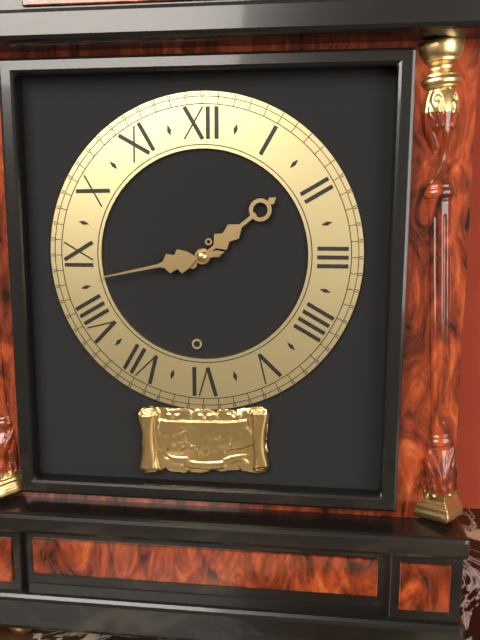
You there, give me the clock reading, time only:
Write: 1:43
